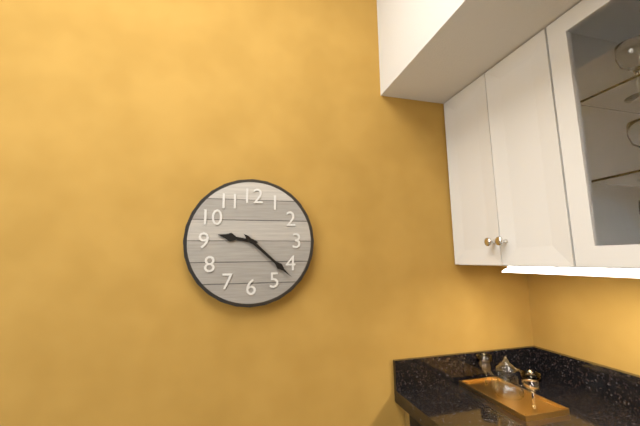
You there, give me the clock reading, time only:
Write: 9:22
